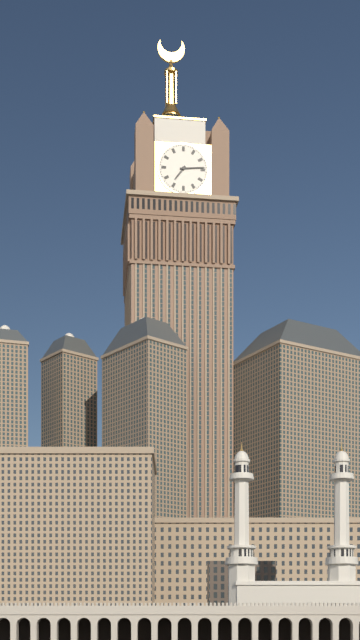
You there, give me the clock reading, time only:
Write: 7:14
